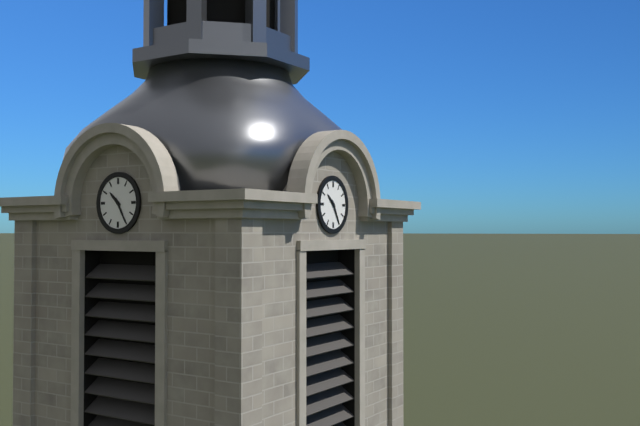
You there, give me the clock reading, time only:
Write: 10:25
